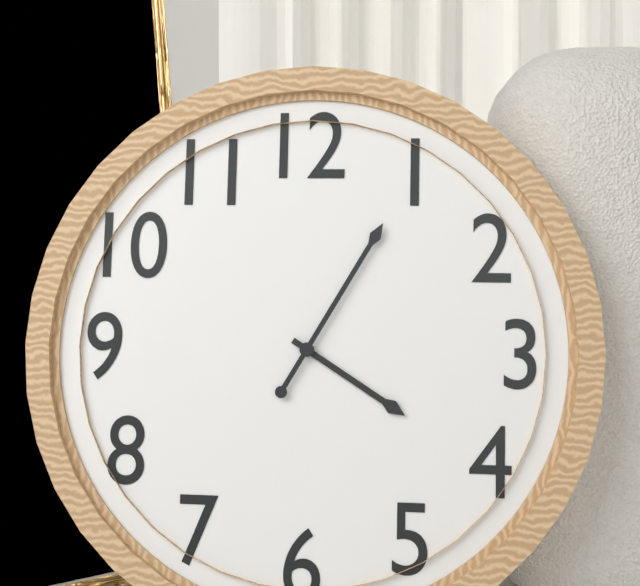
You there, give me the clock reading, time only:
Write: 4:05
